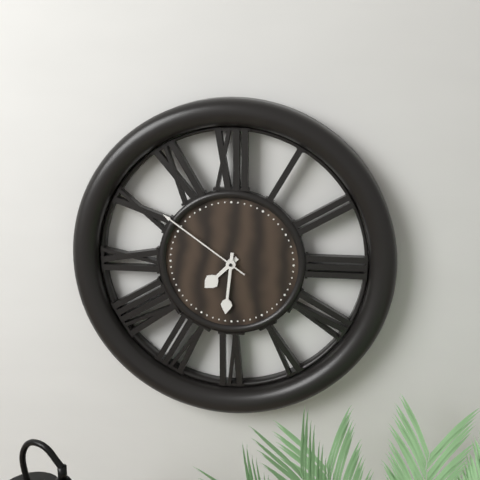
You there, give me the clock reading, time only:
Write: 7:31:51
